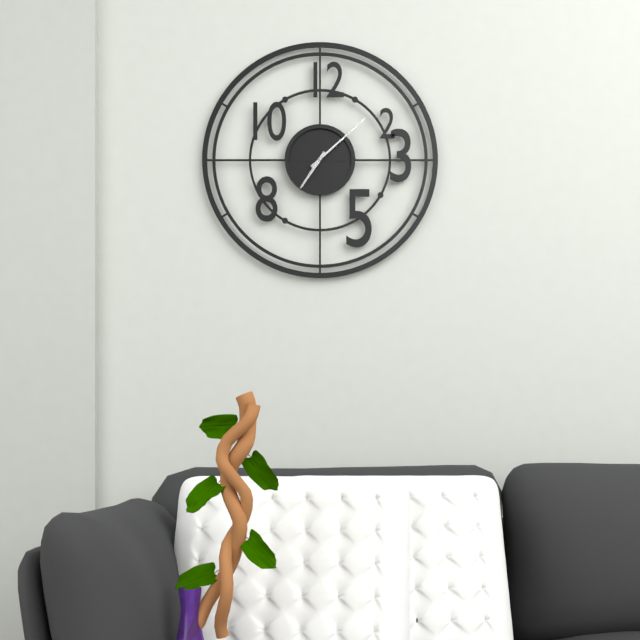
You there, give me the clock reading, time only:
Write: 7:08
